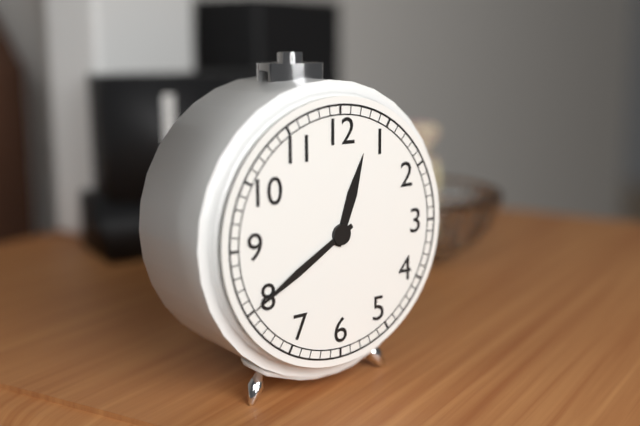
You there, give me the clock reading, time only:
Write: 12:40
